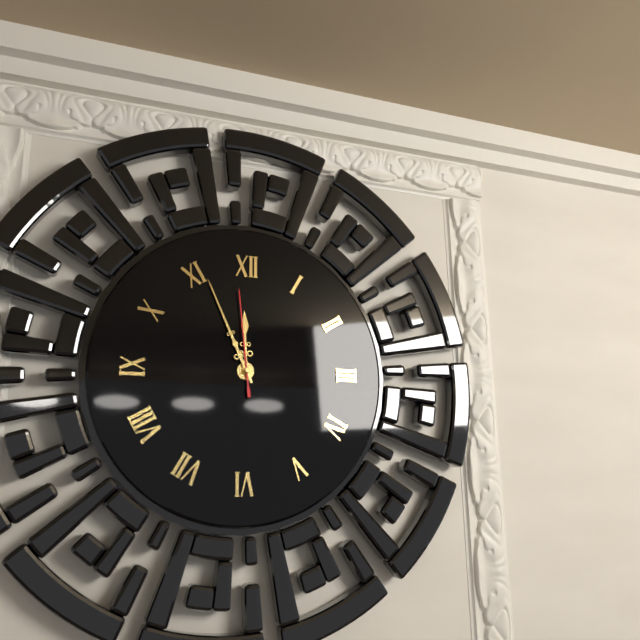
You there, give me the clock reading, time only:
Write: 11:56:59
